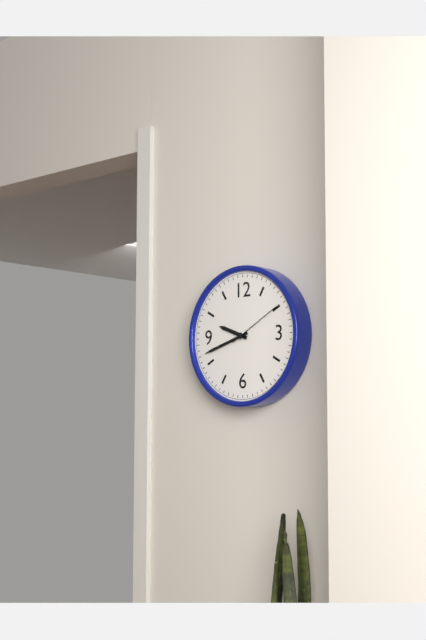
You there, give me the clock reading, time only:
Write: 9:42:10
